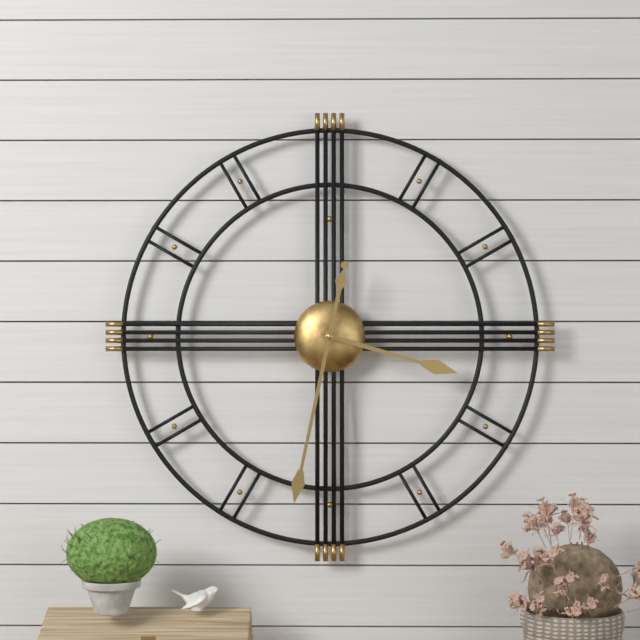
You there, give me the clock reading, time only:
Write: 3:32
